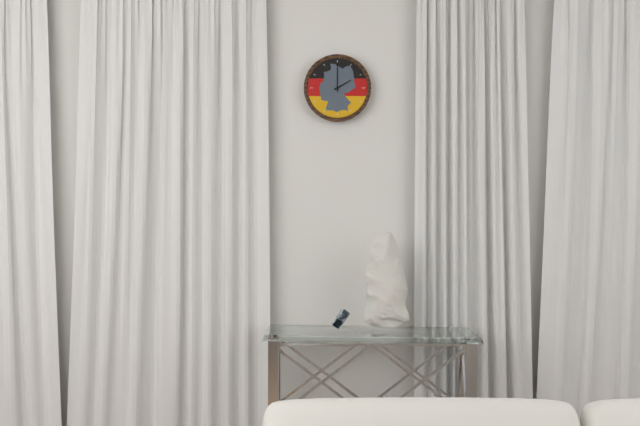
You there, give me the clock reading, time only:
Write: 2:00
